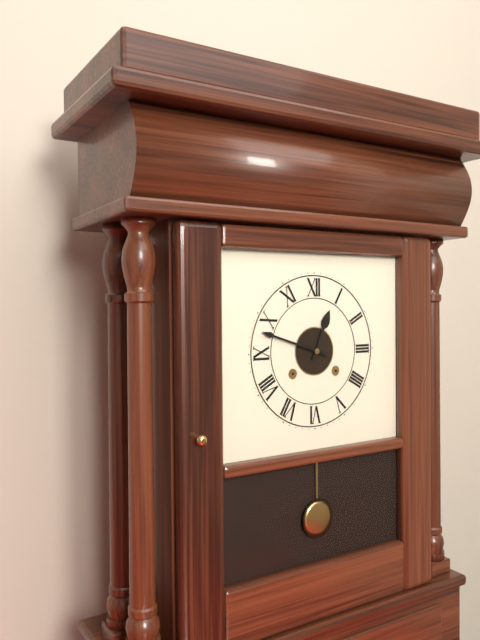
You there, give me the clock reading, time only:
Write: 12:48
